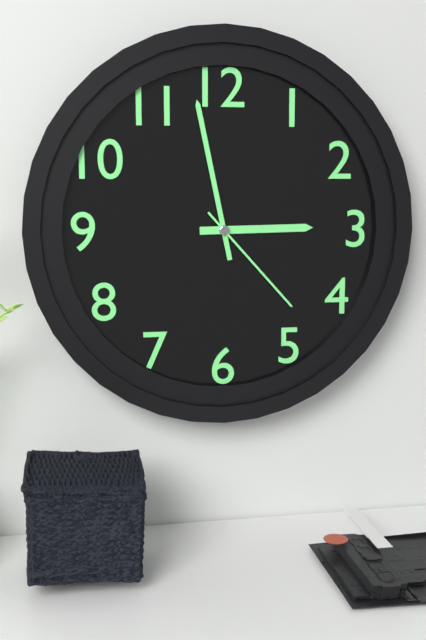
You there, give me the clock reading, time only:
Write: 2:58:23
